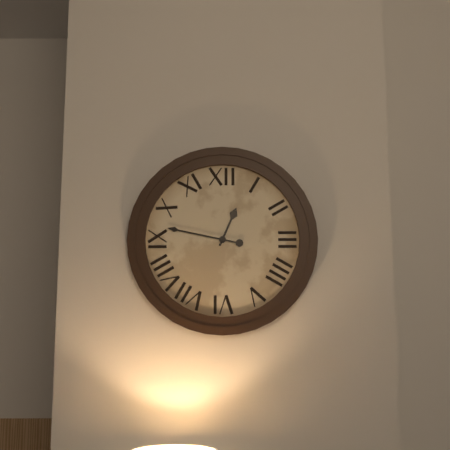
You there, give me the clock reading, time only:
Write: 12:47
